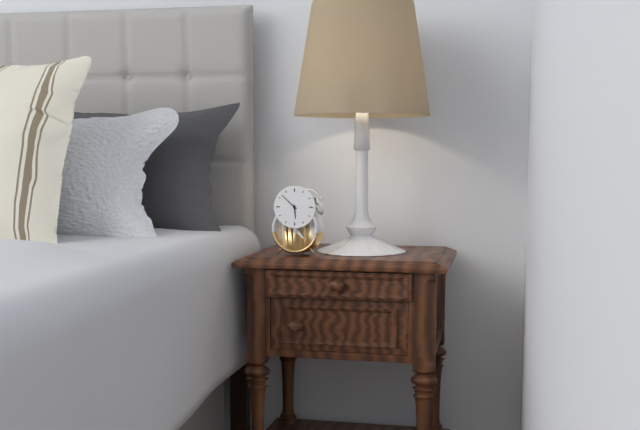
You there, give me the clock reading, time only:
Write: 5:52
